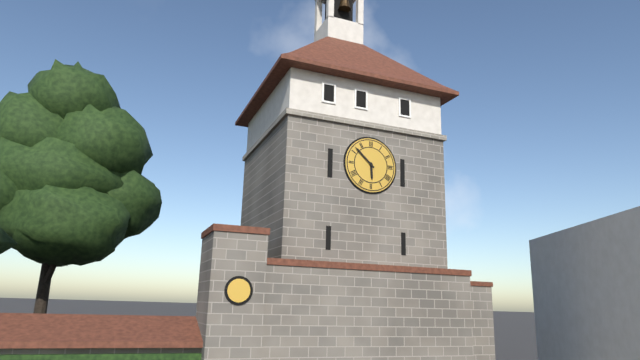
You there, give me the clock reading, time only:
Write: 5:52
